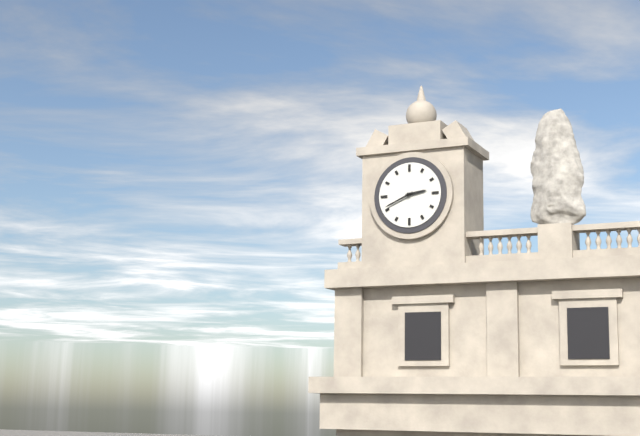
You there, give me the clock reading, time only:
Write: 2:41
